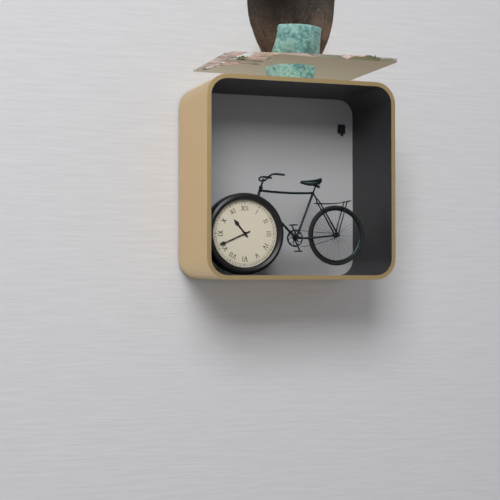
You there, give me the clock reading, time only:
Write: 10:41
